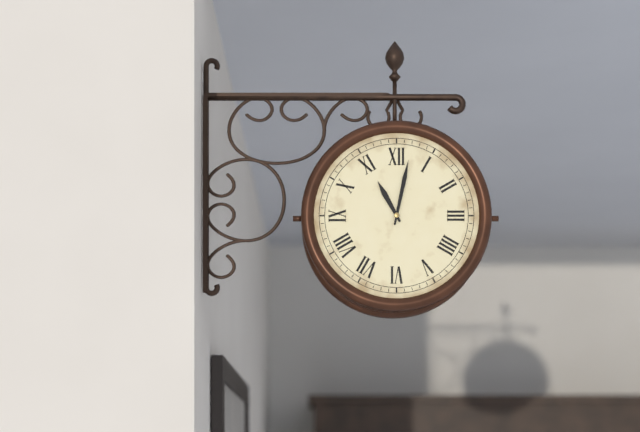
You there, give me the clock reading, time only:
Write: 11:02
